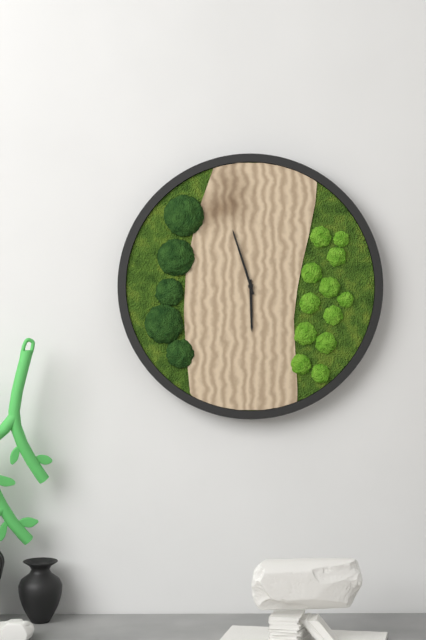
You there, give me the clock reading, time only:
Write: 5:57
